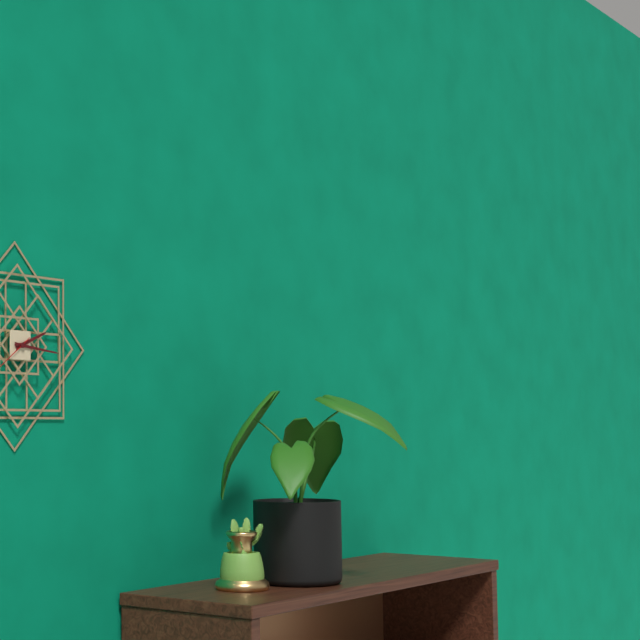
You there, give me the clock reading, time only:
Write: 2:16
